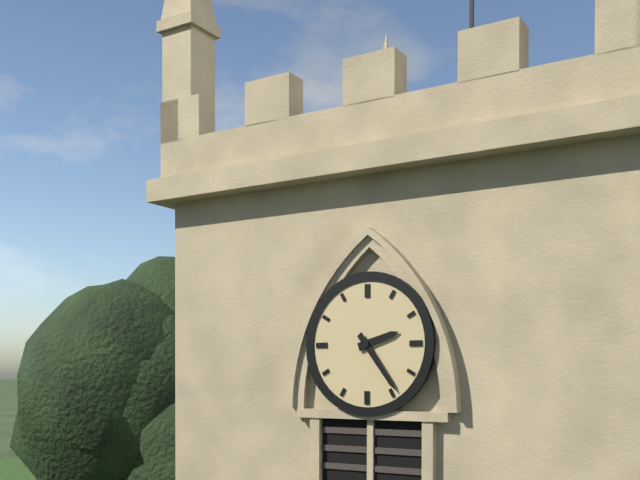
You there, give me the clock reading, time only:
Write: 2:24
